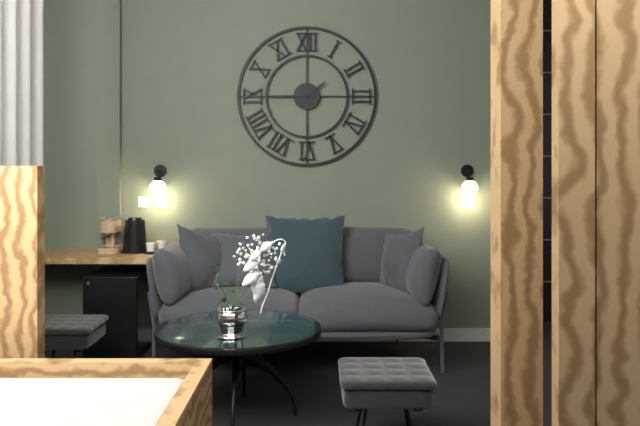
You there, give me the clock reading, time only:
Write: 1:45
